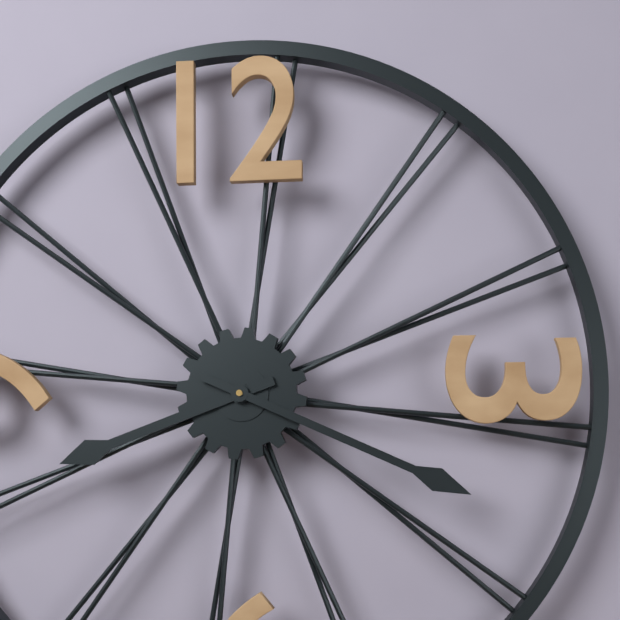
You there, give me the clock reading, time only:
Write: 8:19
